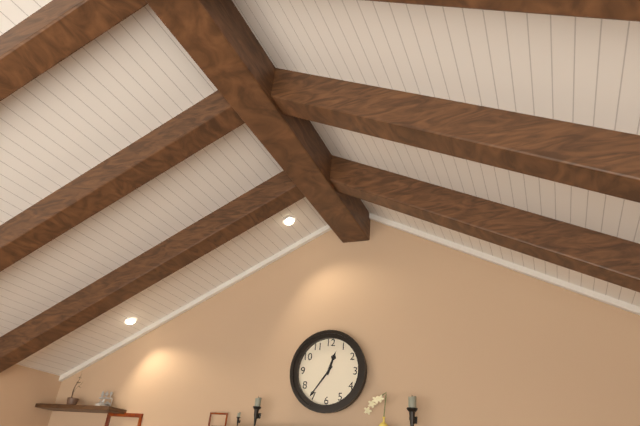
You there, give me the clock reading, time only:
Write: 12:36
